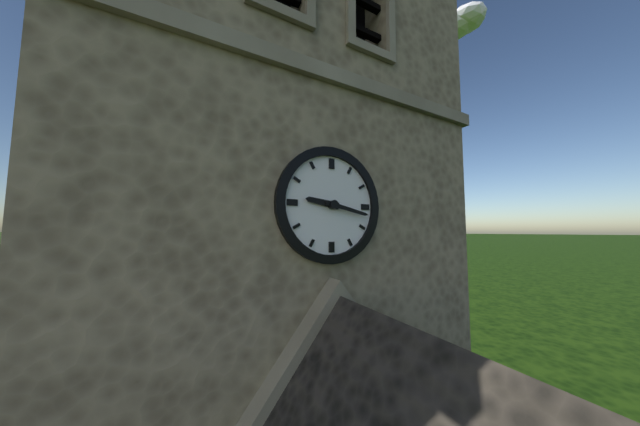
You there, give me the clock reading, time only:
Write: 9:17
